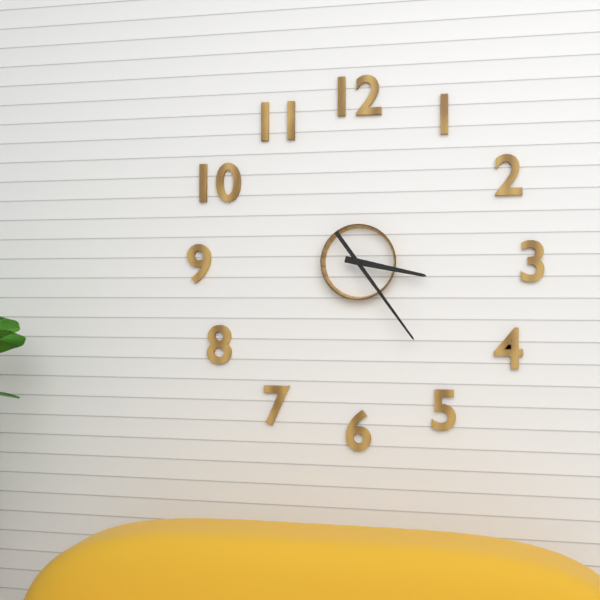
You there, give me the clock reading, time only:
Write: 3:24
